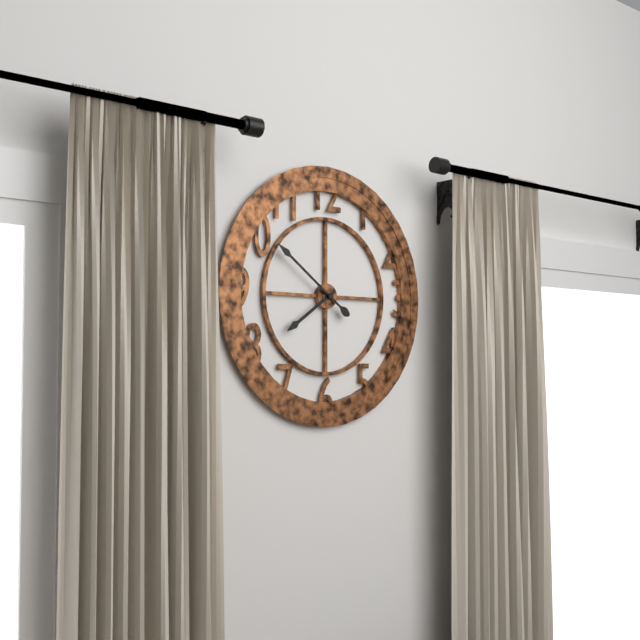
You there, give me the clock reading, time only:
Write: 7:51
